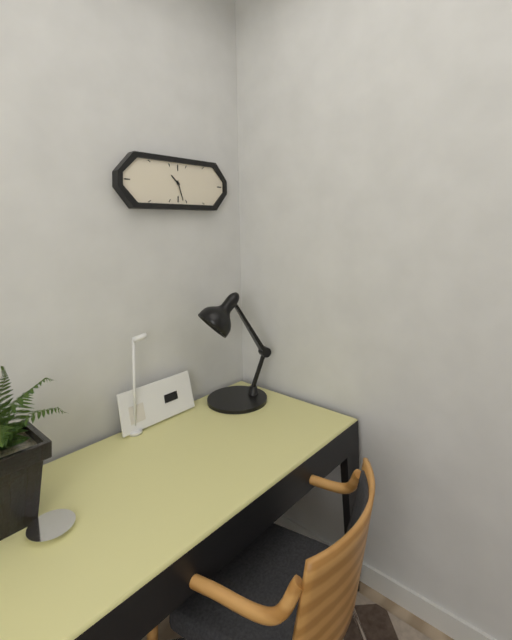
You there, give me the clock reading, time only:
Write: 10:27
